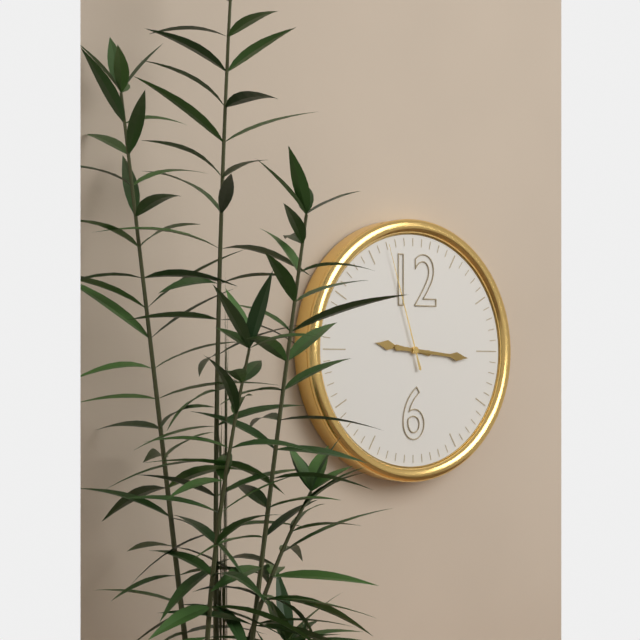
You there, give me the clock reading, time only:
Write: 9:16:57
